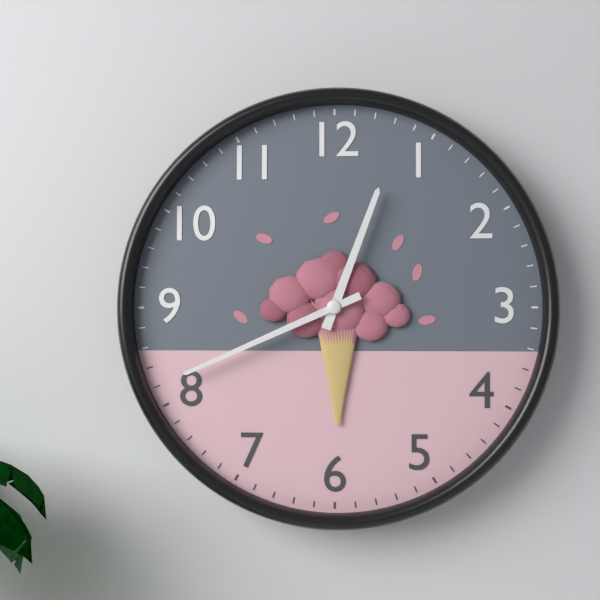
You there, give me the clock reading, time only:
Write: 12:41
